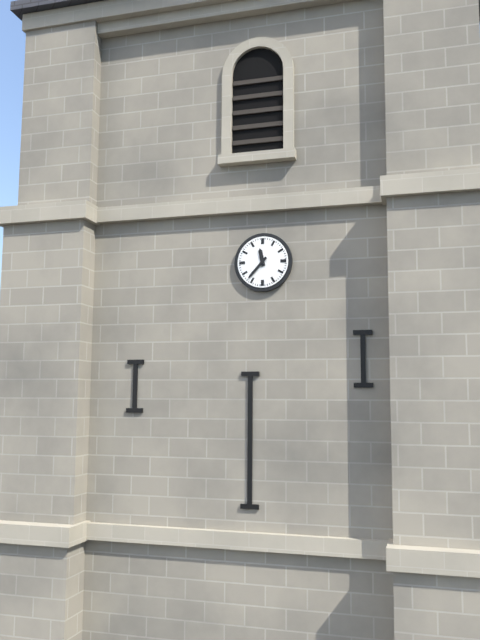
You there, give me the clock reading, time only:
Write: 11:37
